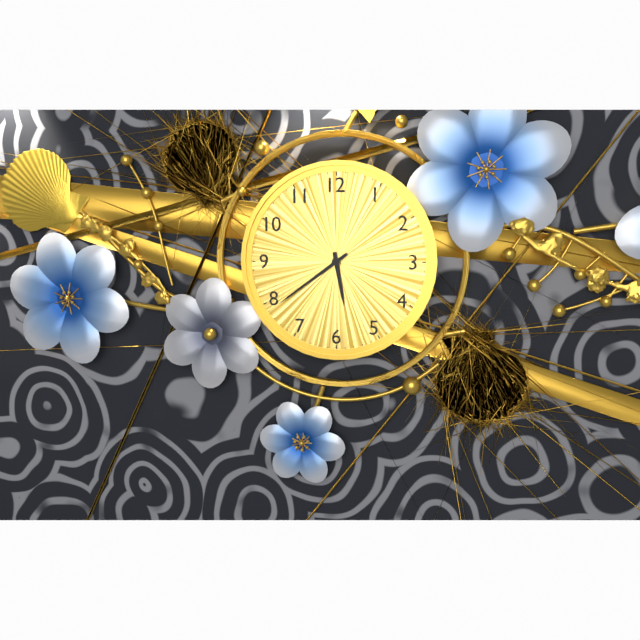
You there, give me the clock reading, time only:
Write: 5:39
